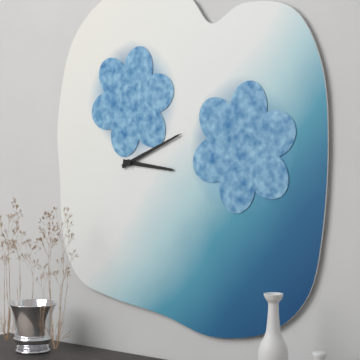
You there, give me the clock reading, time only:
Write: 3:11
